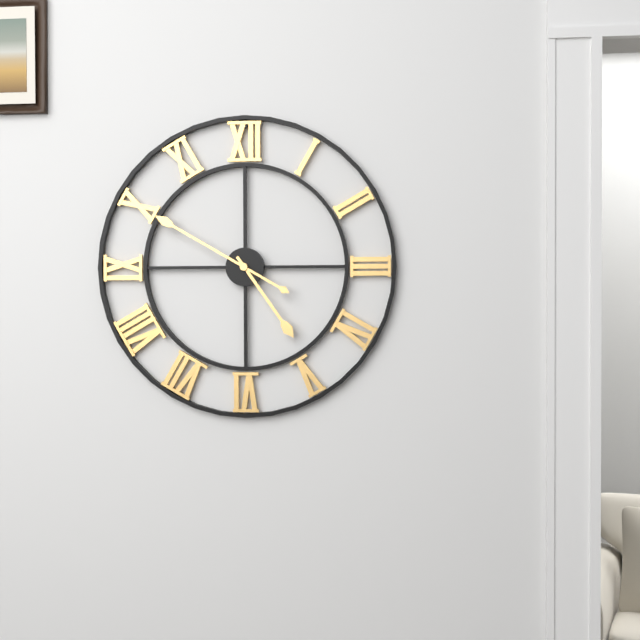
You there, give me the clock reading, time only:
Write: 4:50
